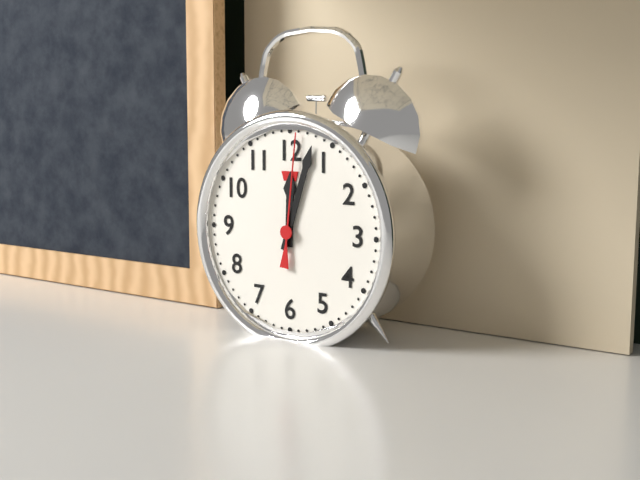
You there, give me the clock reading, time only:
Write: 12:03:01
